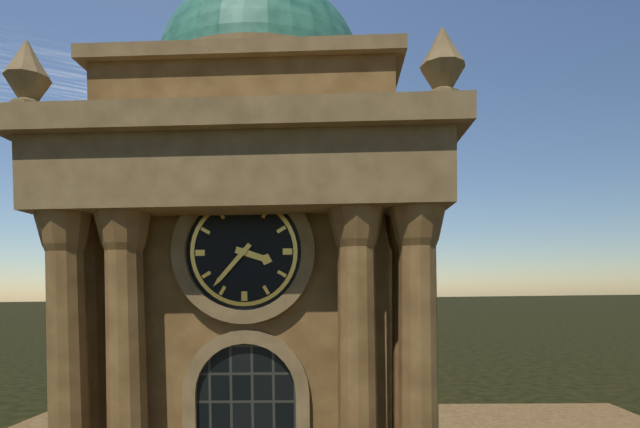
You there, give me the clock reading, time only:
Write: 3:37
